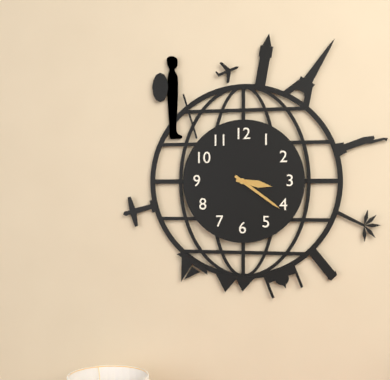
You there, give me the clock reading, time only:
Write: 3:21
